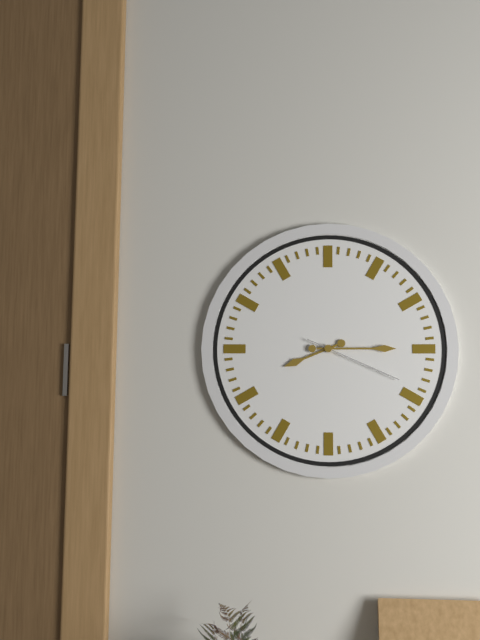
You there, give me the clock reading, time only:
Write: 8:15:19
